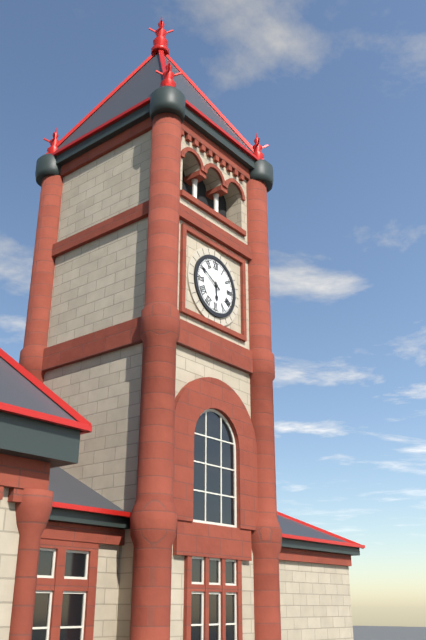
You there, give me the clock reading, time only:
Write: 5:50
